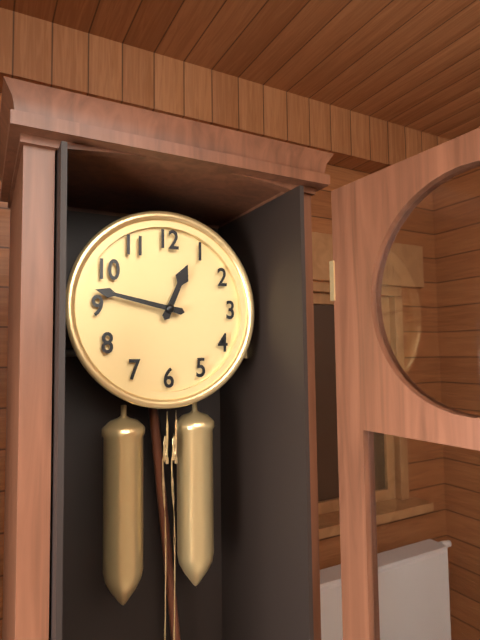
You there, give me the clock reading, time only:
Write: 12:47
